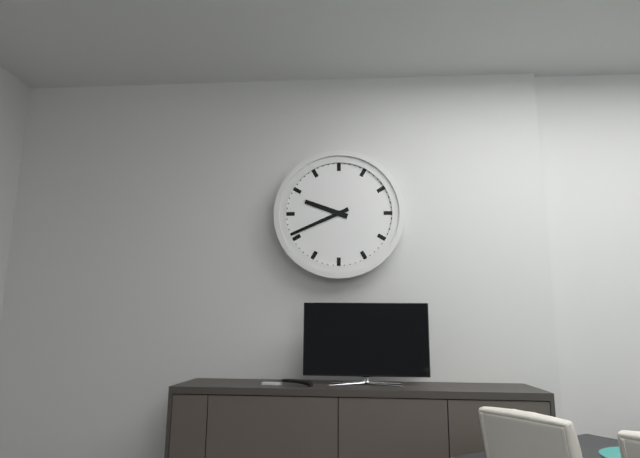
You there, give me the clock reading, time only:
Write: 9:41
